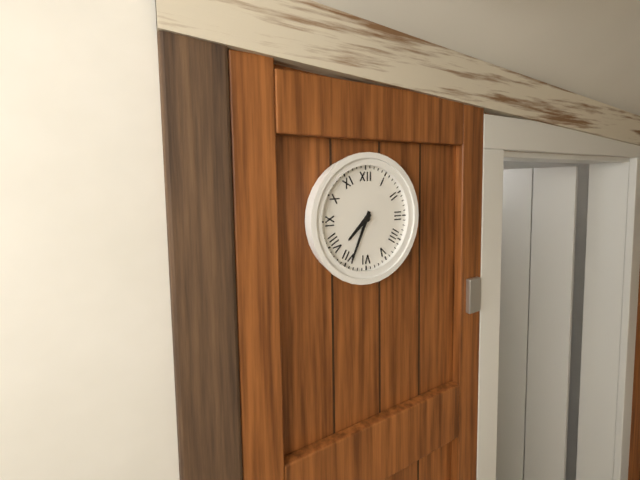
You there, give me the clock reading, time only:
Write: 7:34
